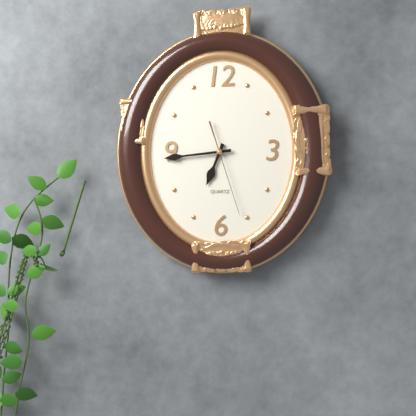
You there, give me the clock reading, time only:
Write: 6:44:27
